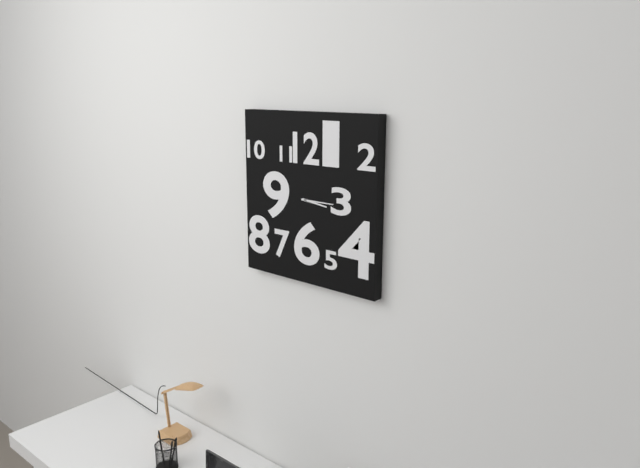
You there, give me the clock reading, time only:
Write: 3:15
